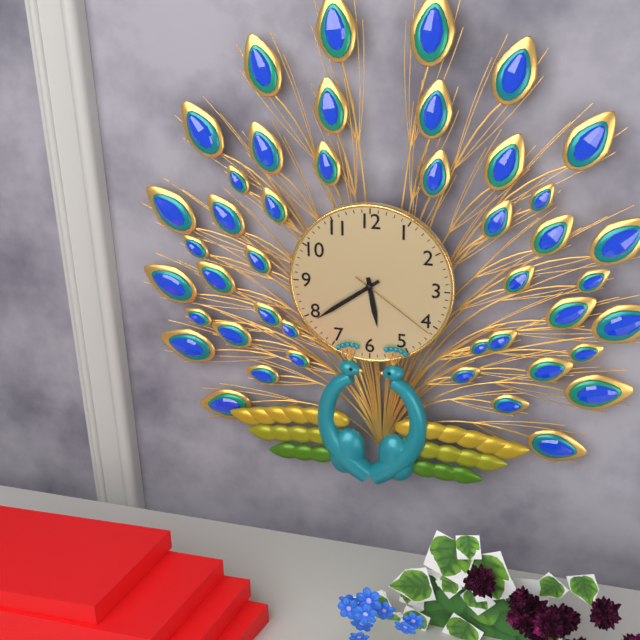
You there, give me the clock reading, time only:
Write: 5:39:21
